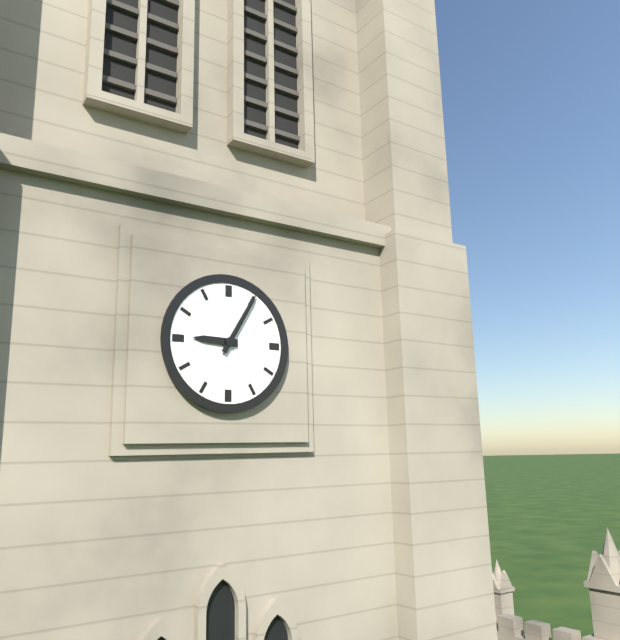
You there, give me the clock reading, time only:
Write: 9:05
